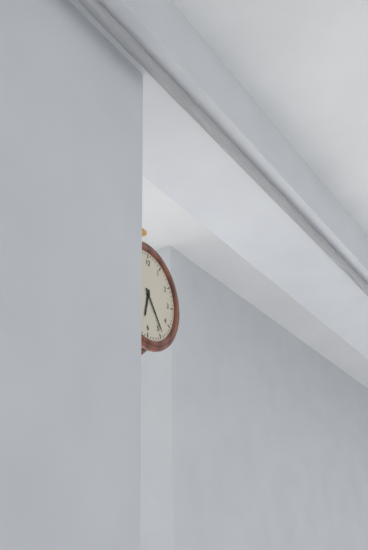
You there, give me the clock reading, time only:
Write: 6:24
